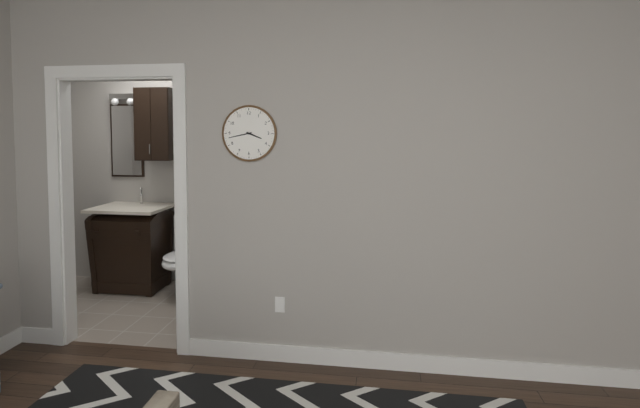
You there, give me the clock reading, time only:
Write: 3:43
